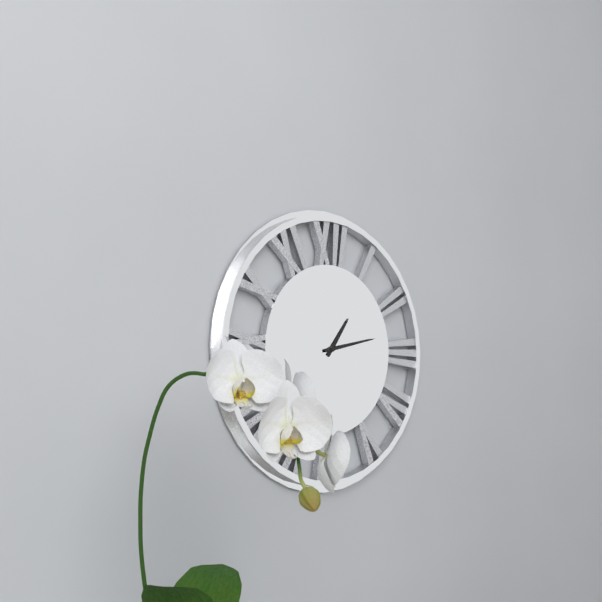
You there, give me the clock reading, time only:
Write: 1:13
